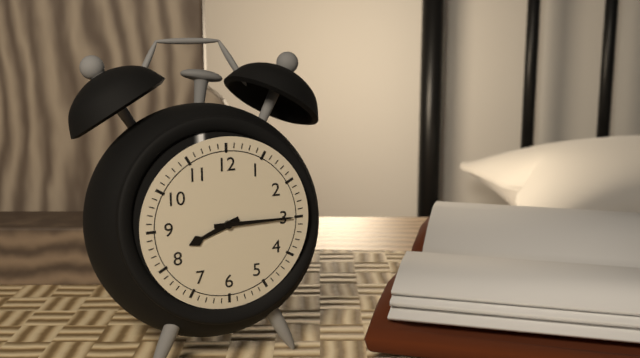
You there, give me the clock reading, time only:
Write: 8:15
